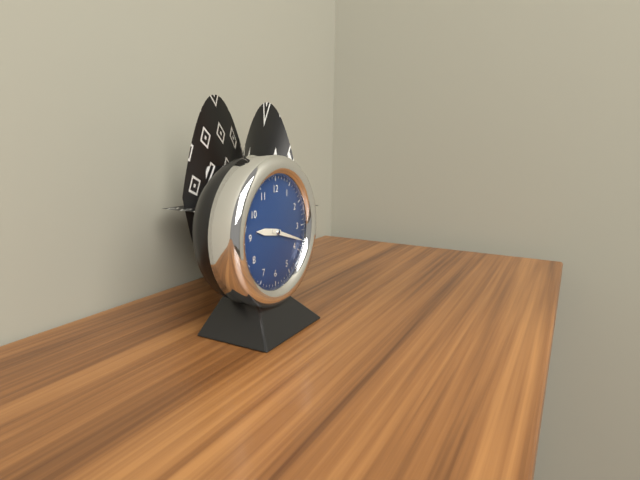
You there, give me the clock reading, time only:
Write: 9:18
